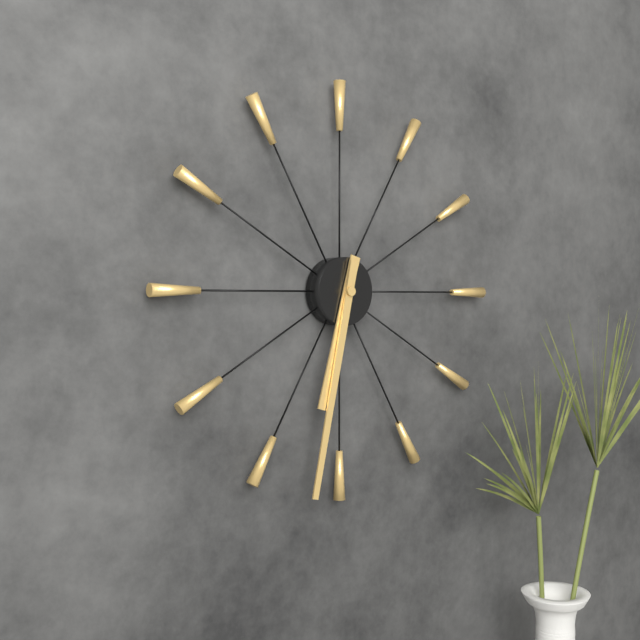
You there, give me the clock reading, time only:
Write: 6:32
